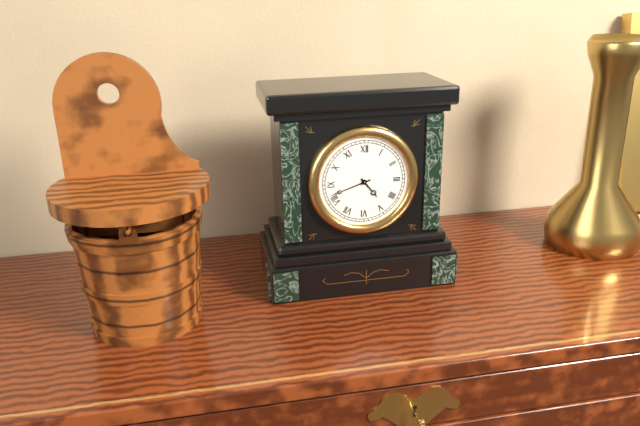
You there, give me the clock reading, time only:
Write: 4:42
